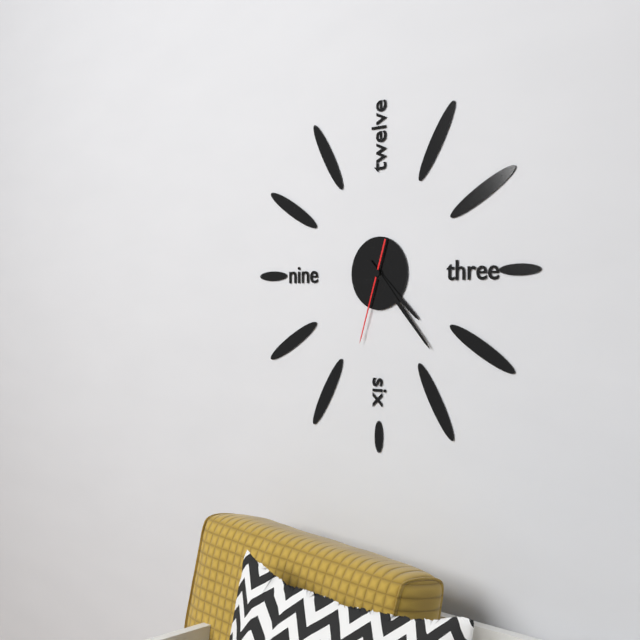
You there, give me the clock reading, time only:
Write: 4:23:33
